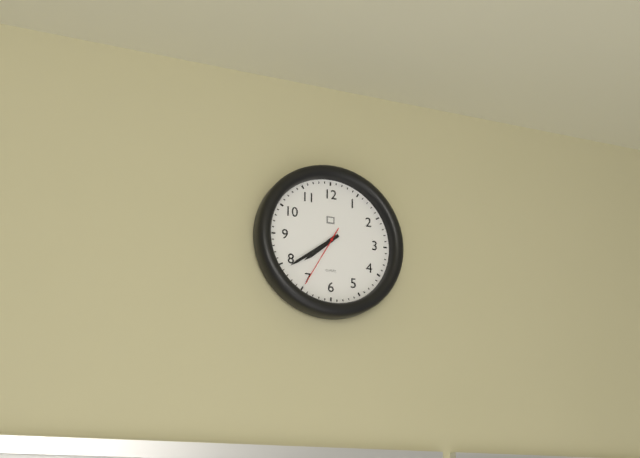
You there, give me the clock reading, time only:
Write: 7:39:35
